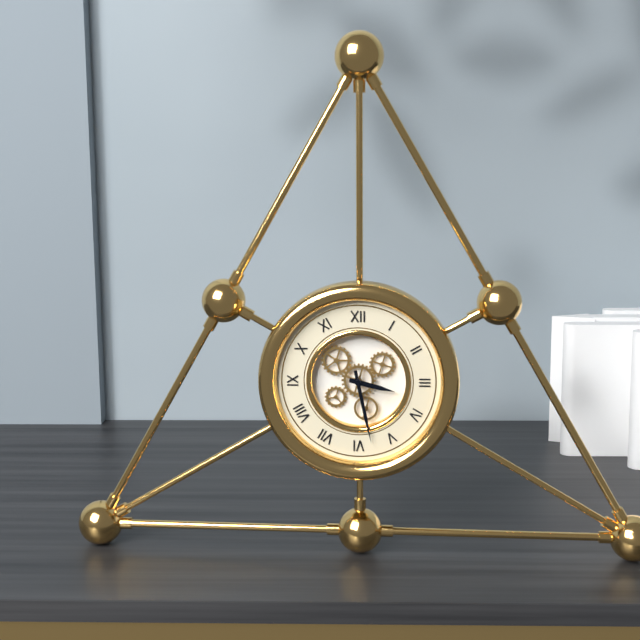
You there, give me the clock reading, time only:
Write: 3:28
